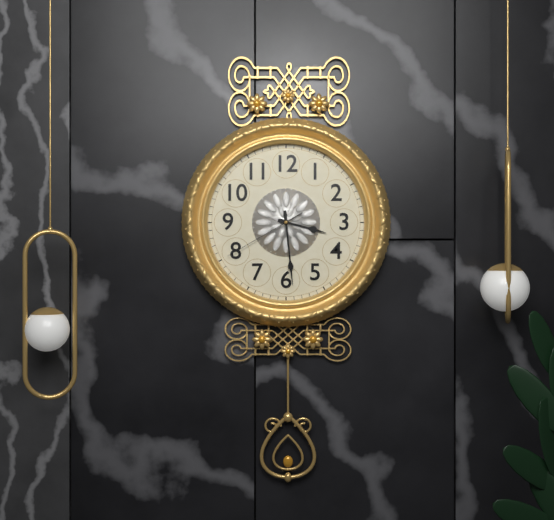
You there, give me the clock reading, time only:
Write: 3:29:40
